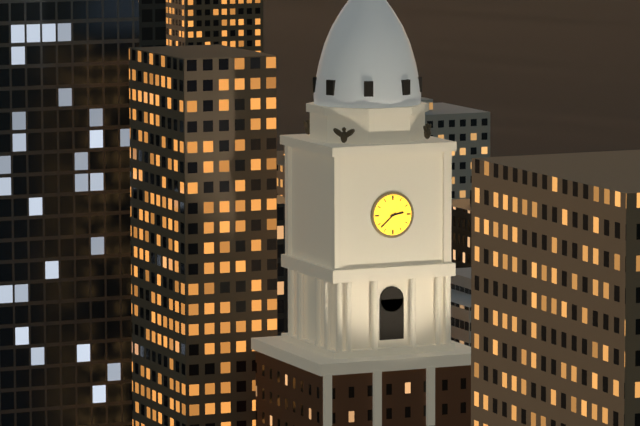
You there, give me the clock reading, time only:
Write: 2:38
